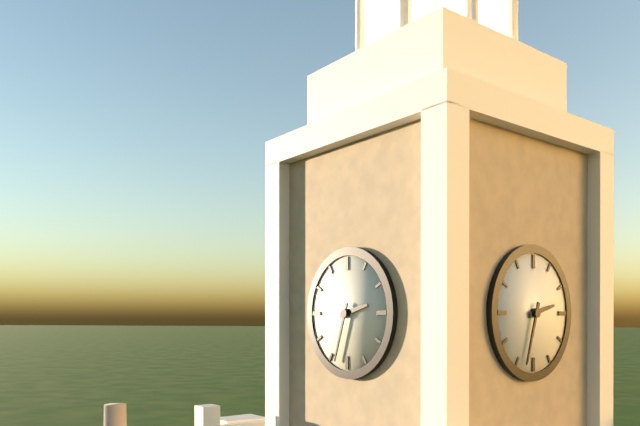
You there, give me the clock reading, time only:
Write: 2:33
